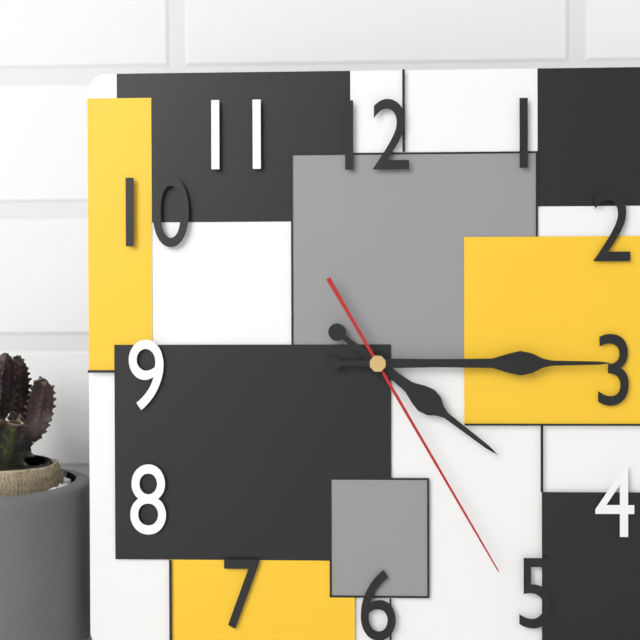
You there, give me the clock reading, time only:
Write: 4:15:25
